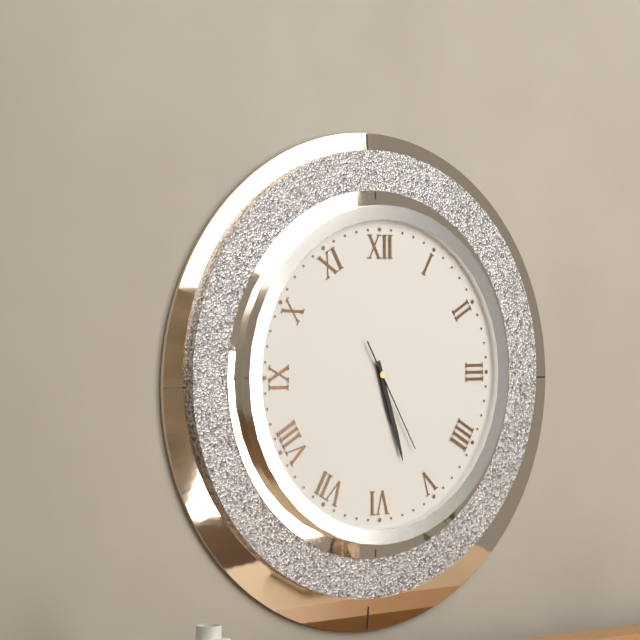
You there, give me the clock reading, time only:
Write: 5:27:25
